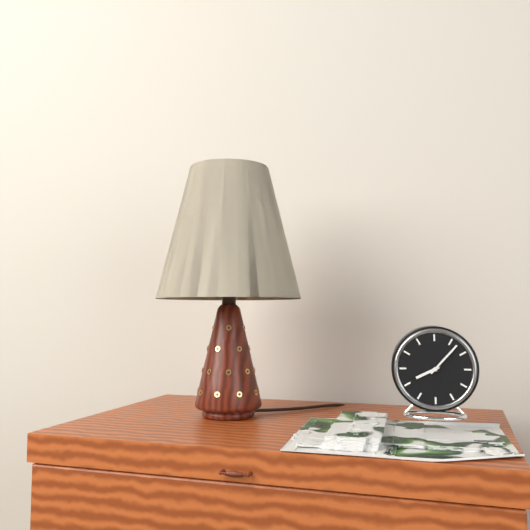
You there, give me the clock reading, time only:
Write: 8:07
